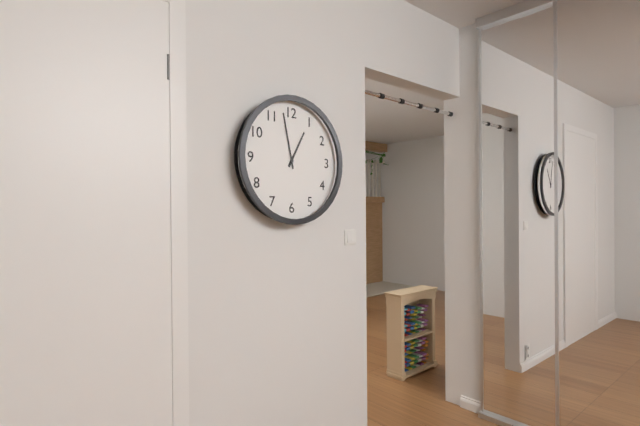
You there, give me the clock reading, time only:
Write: 12:58
